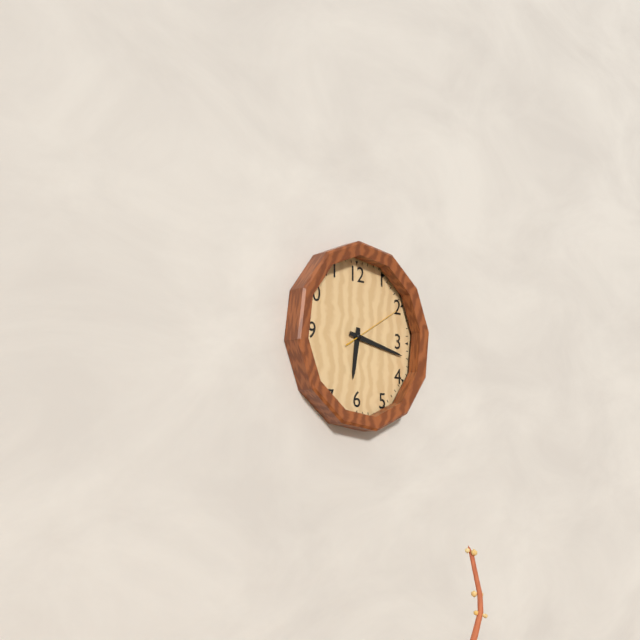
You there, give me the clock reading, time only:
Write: 6:17:10
